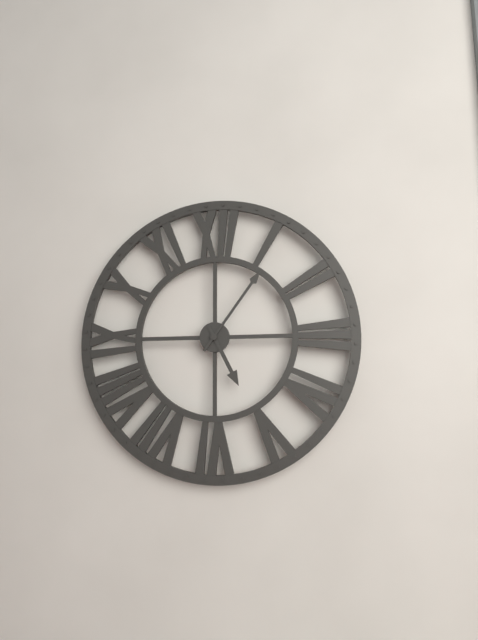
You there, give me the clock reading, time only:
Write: 5:06
